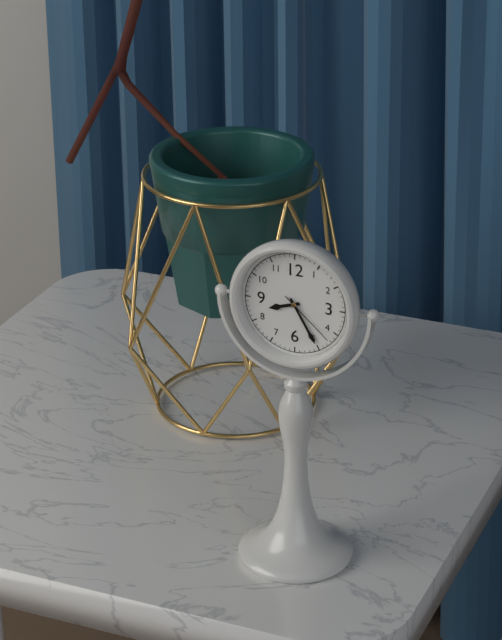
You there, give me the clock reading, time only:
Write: 8:25:22
